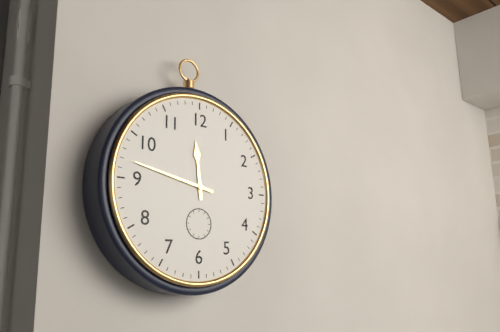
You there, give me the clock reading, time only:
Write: 11:47
